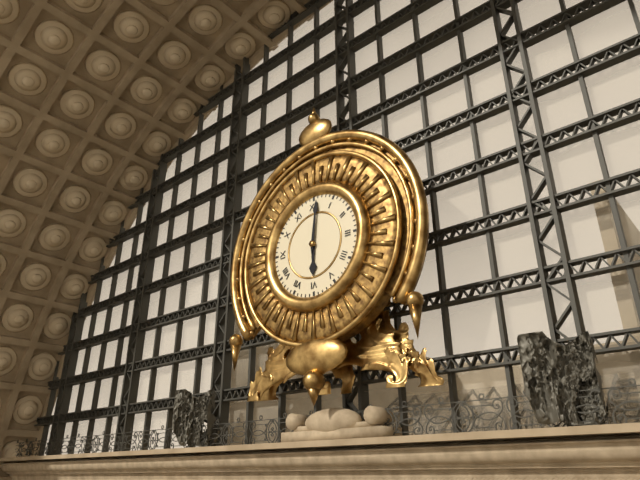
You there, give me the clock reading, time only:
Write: 6:01
